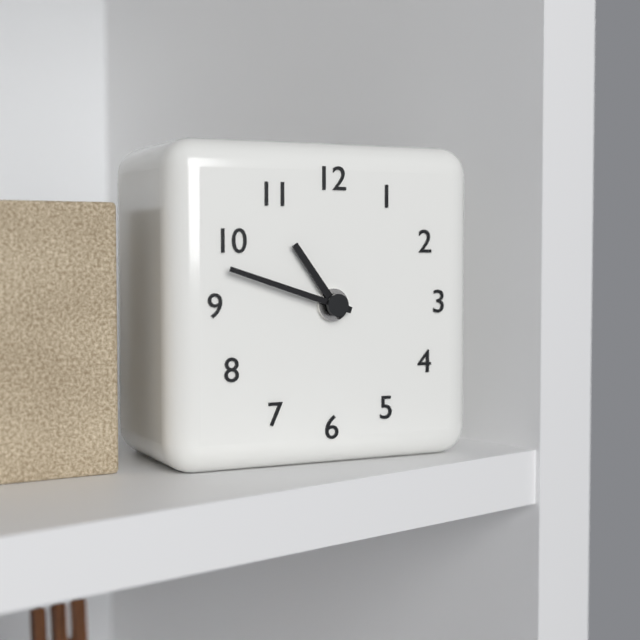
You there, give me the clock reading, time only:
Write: 10:48
